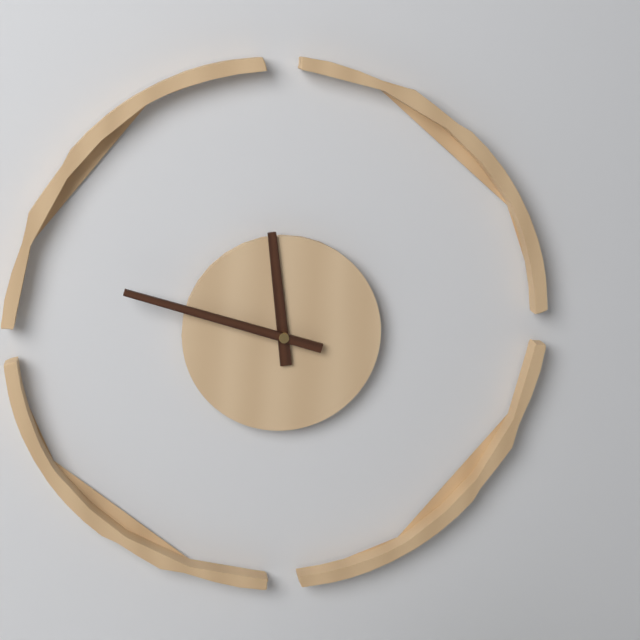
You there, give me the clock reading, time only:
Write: 11:48
